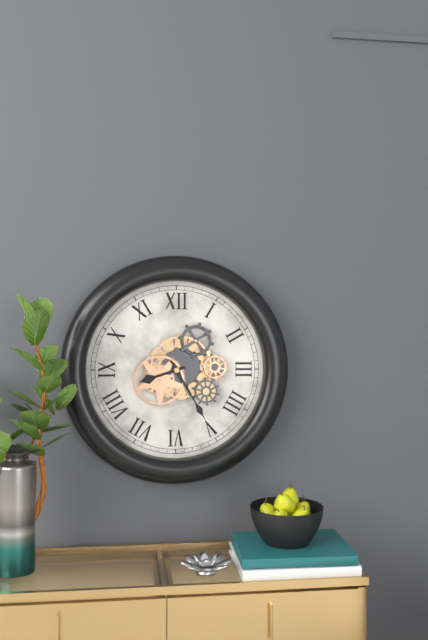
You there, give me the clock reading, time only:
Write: 8:25
